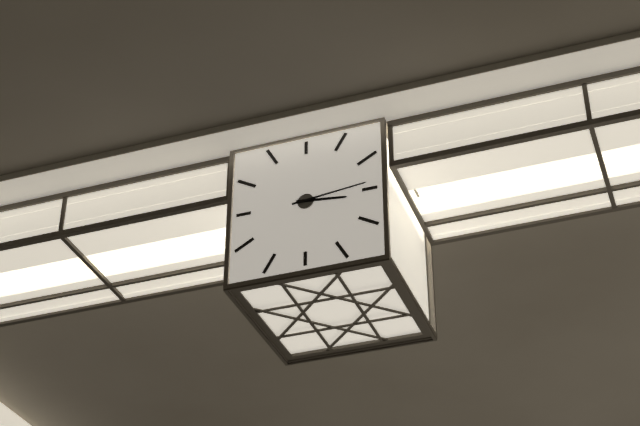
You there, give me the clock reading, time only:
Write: 3:14
